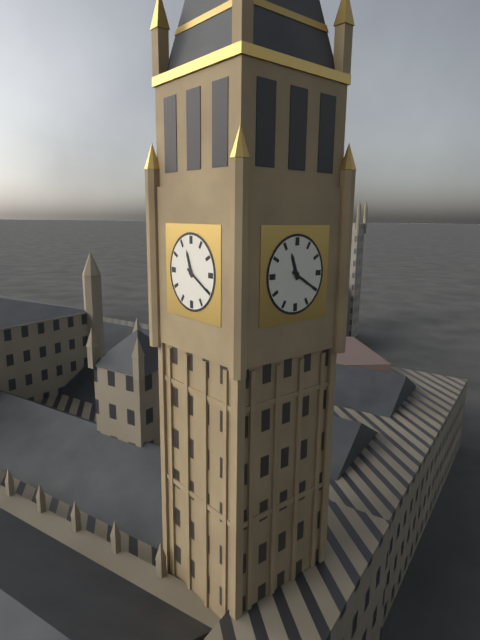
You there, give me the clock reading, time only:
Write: 11:20
